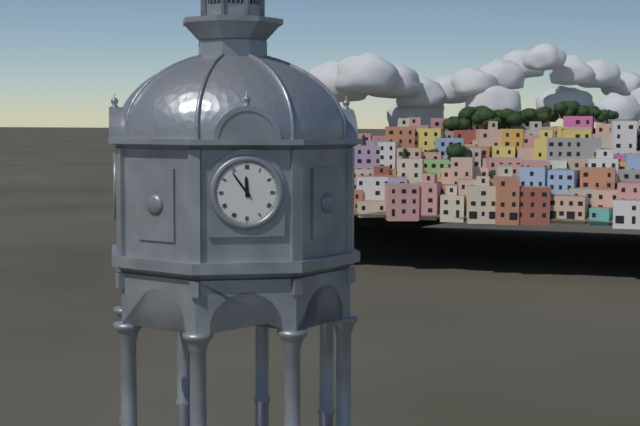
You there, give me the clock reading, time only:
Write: 11:54
